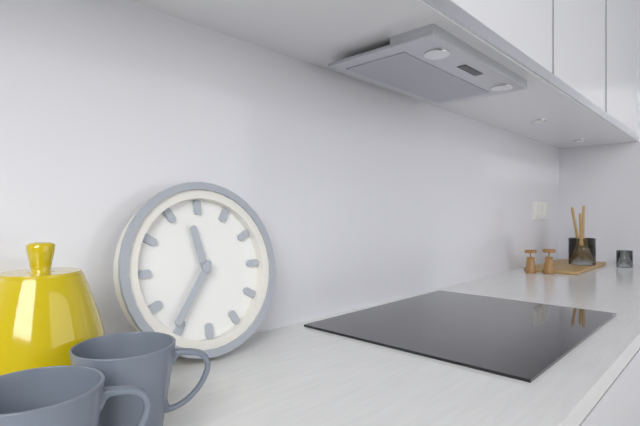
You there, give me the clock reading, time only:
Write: 11:36
